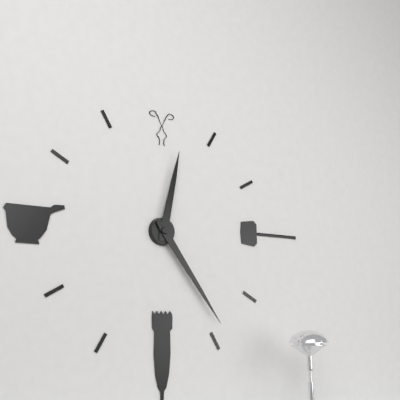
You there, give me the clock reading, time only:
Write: 12:24
